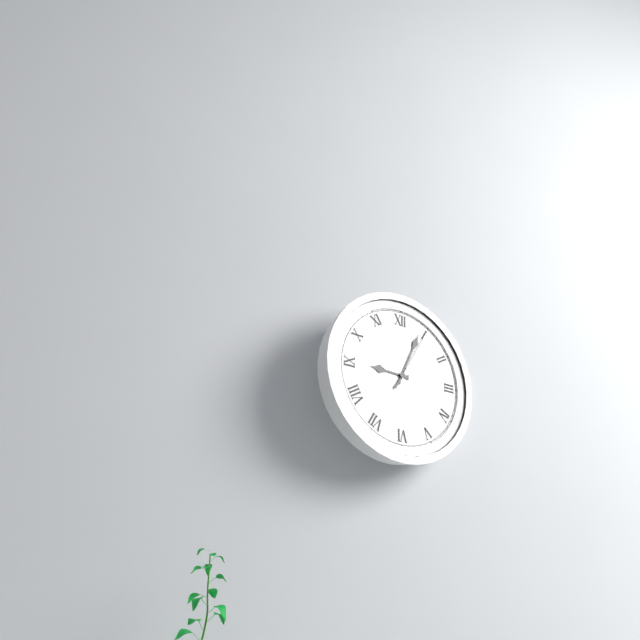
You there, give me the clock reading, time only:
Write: 9:04:05
